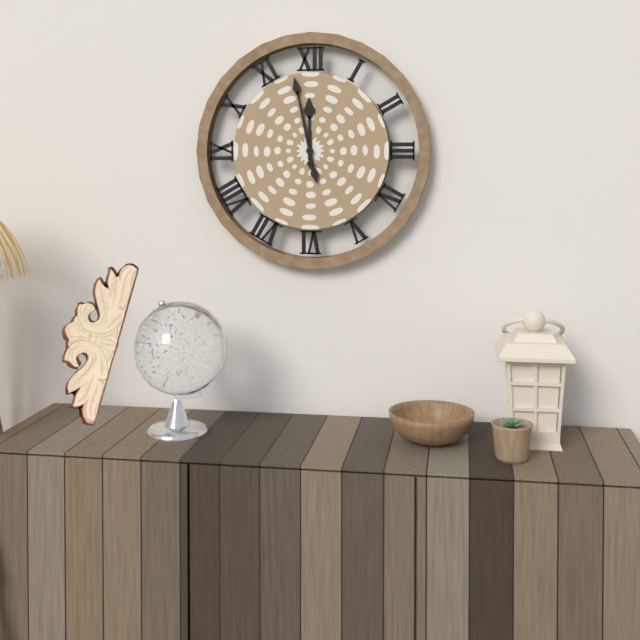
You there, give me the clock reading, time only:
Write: 11:58
